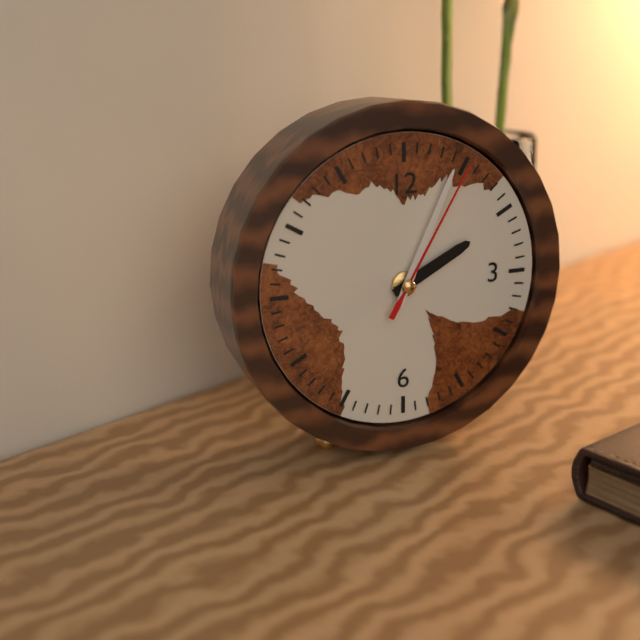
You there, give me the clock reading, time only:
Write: 2:04:05
